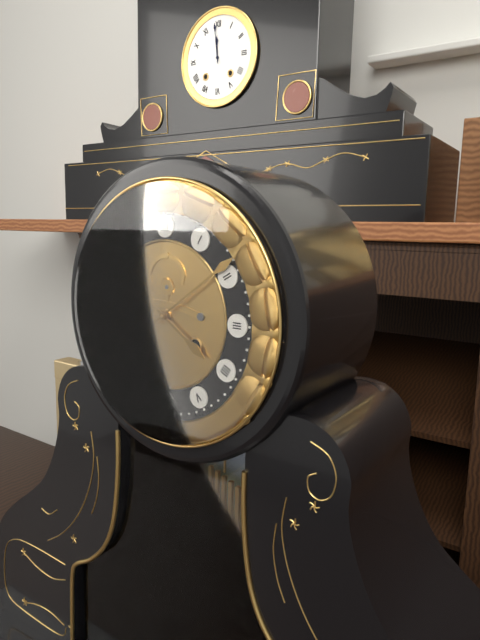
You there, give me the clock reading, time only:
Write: 4:09
